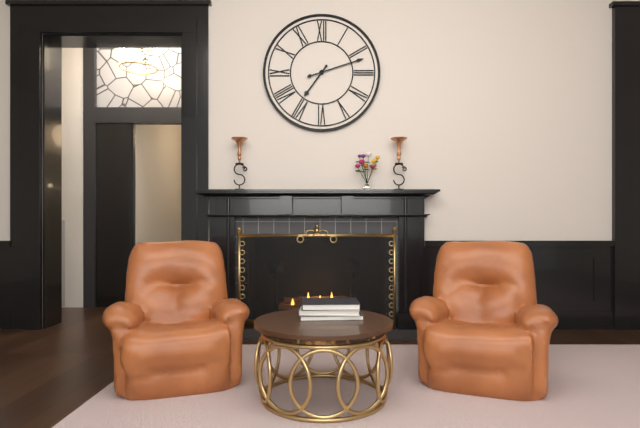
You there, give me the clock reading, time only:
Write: 7:12
